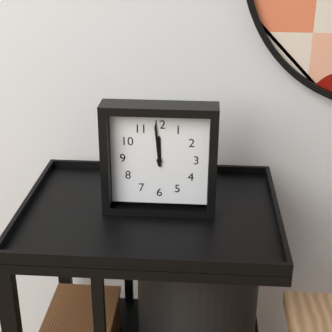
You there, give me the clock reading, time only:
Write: 11:59
